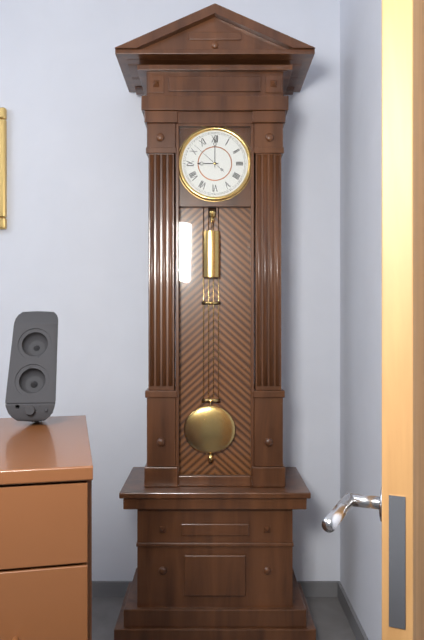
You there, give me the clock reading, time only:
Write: 9:00
